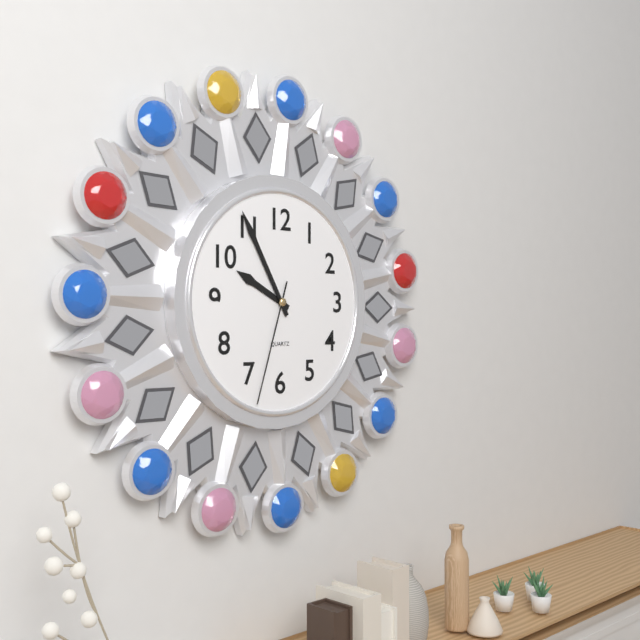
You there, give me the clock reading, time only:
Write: 9:55:33
